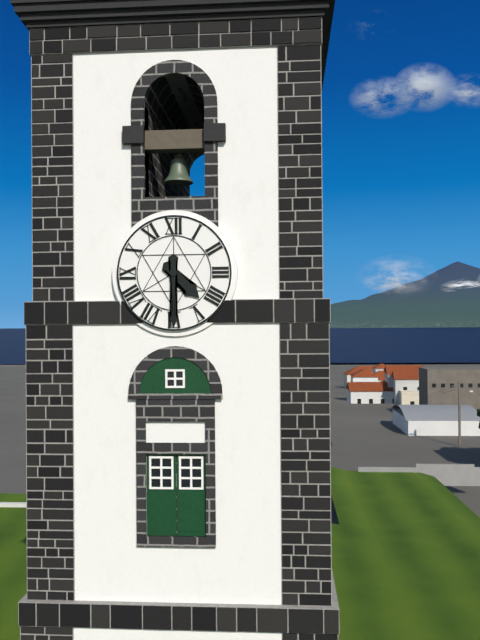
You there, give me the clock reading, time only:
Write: 4:30
